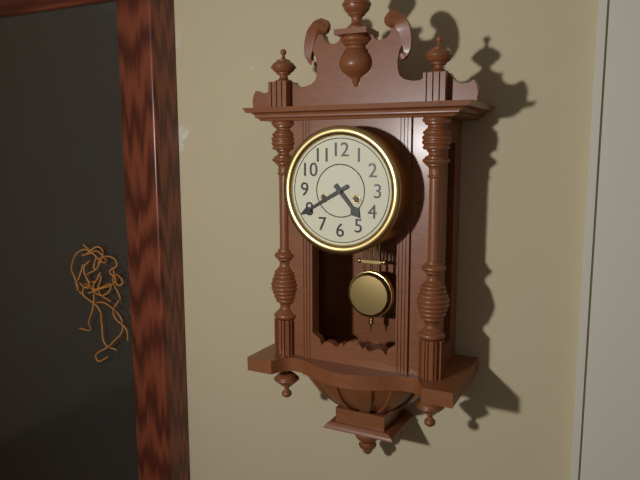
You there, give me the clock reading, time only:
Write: 4:40
